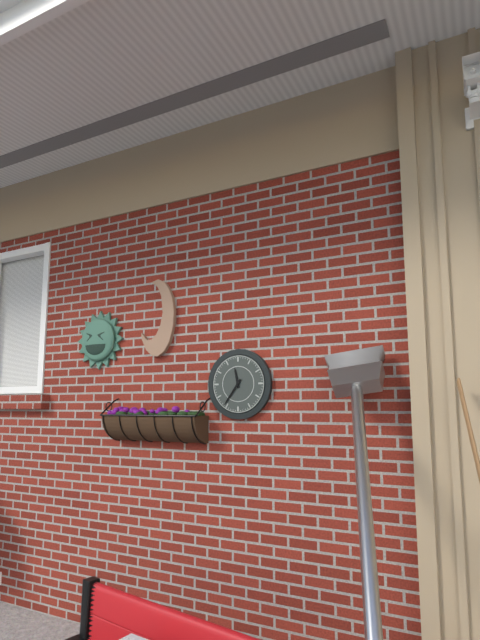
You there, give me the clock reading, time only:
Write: 11:36
